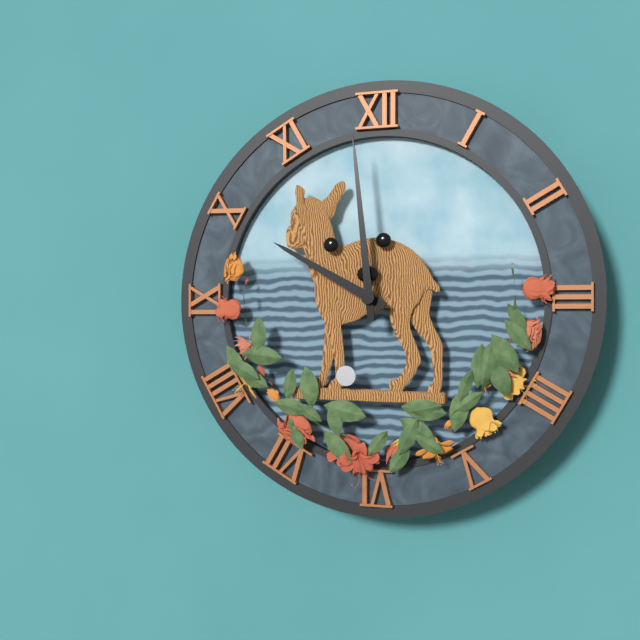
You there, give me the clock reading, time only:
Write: 9:59
